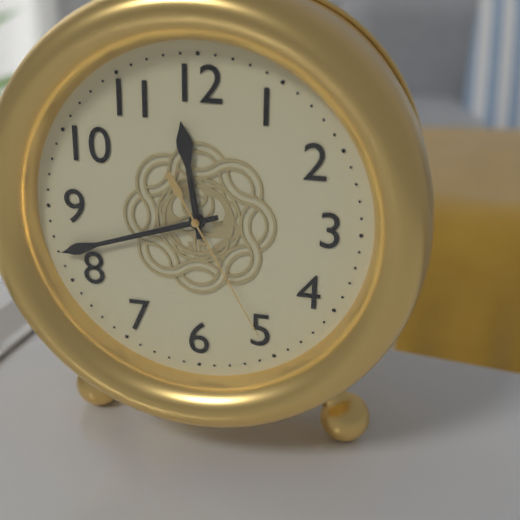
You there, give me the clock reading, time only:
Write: 11:42:25
